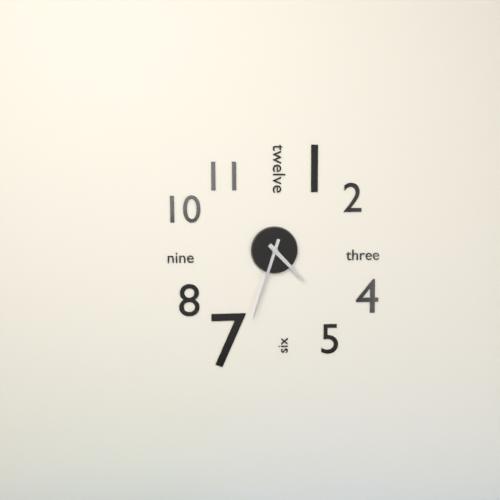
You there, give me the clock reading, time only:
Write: 4:33
